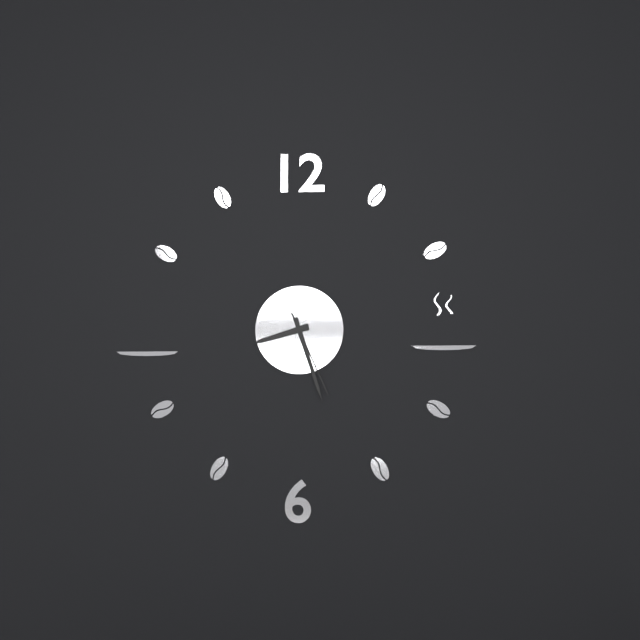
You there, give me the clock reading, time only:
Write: 8:27:26
